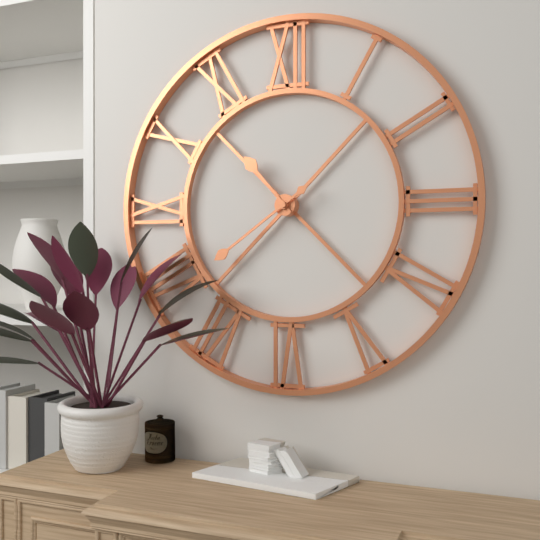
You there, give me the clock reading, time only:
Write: 10:39
